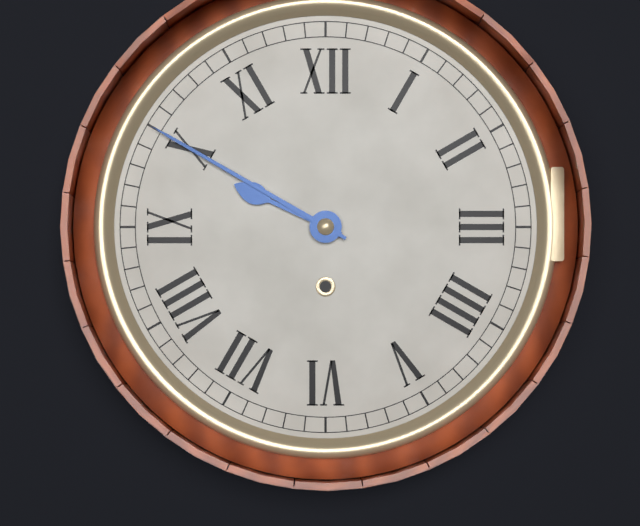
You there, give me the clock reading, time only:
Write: 9:50
